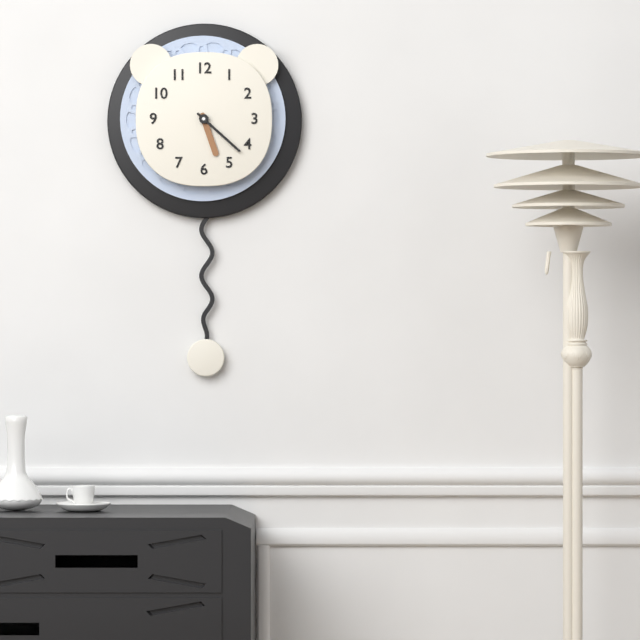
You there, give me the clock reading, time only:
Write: 5:22
